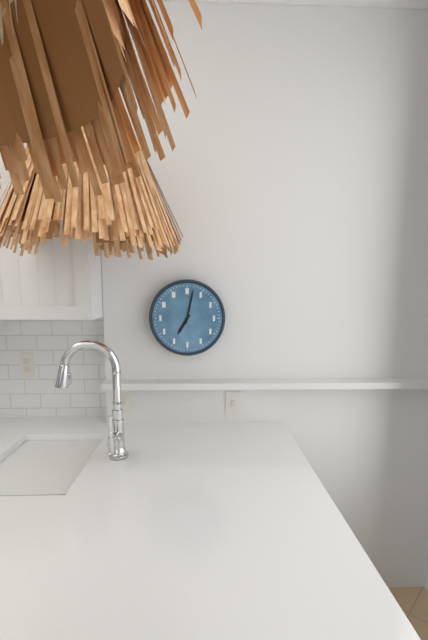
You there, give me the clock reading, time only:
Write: 7:02
